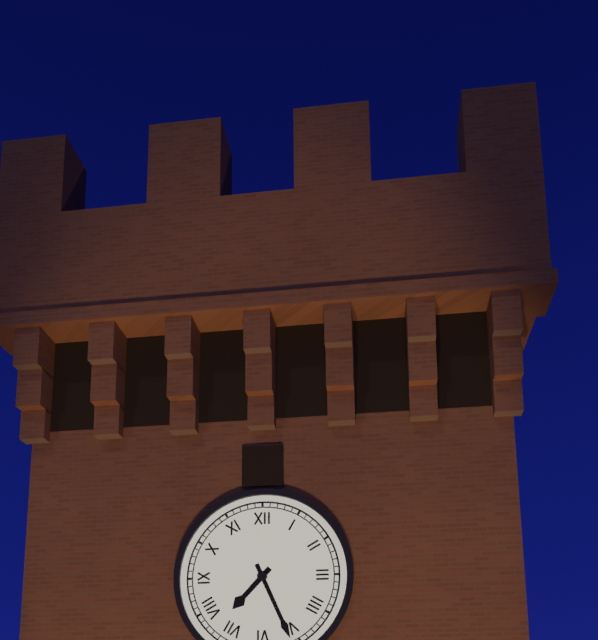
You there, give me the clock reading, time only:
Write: 7:26
